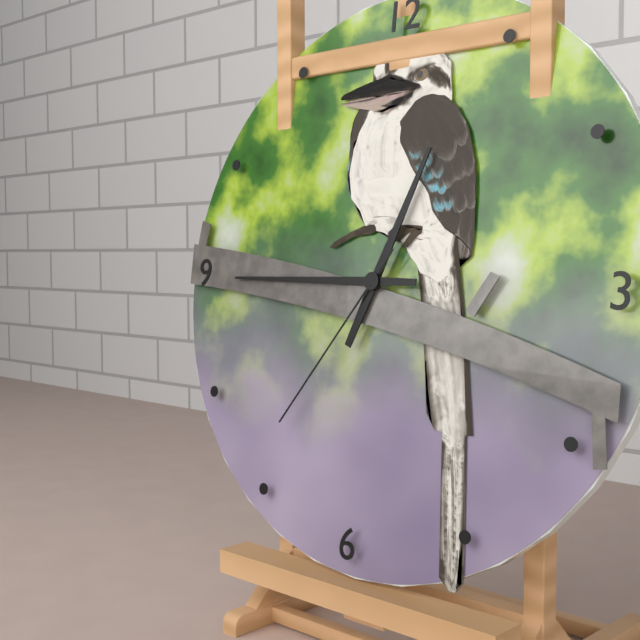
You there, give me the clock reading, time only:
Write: 12:45:36
